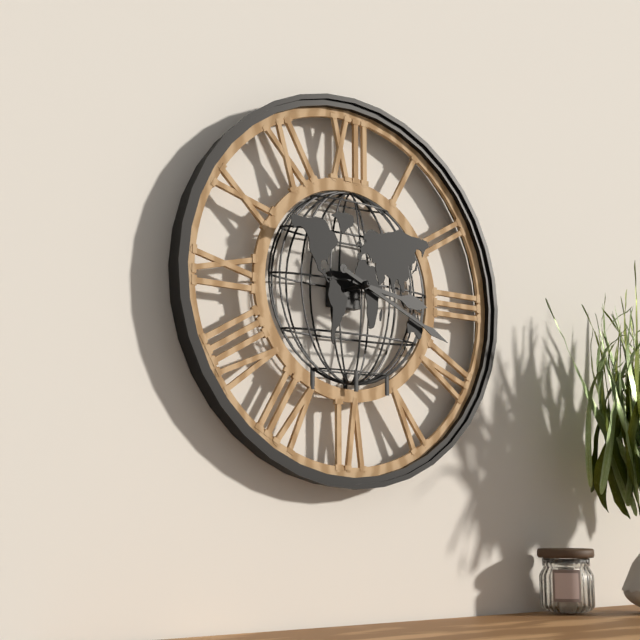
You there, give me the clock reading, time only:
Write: 3:19
